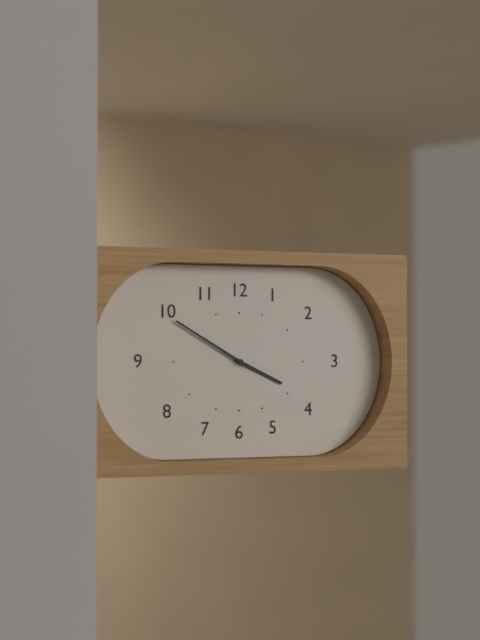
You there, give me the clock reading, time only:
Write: 3:50
